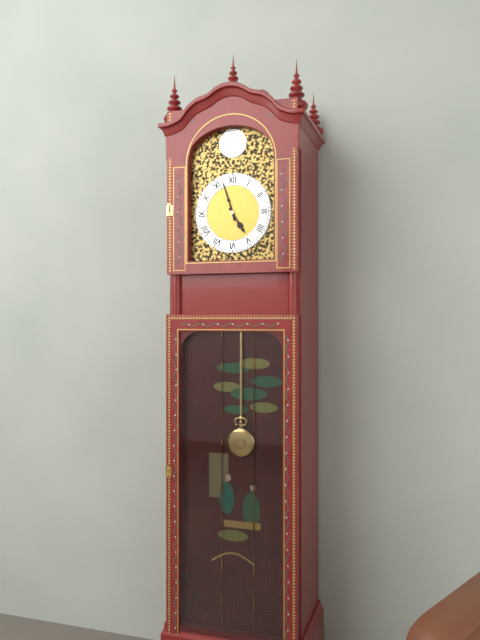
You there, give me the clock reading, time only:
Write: 4:57
